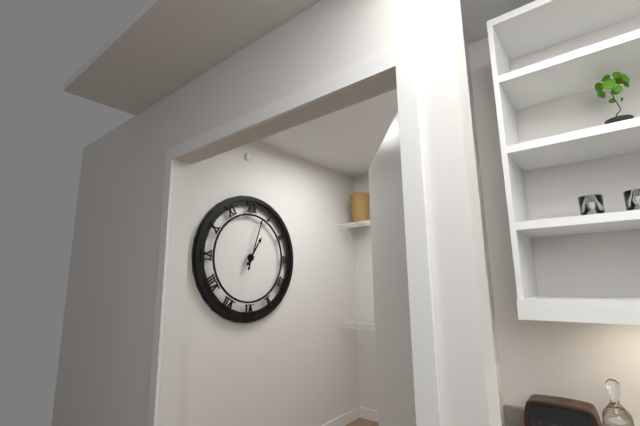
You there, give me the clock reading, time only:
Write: 1:03
